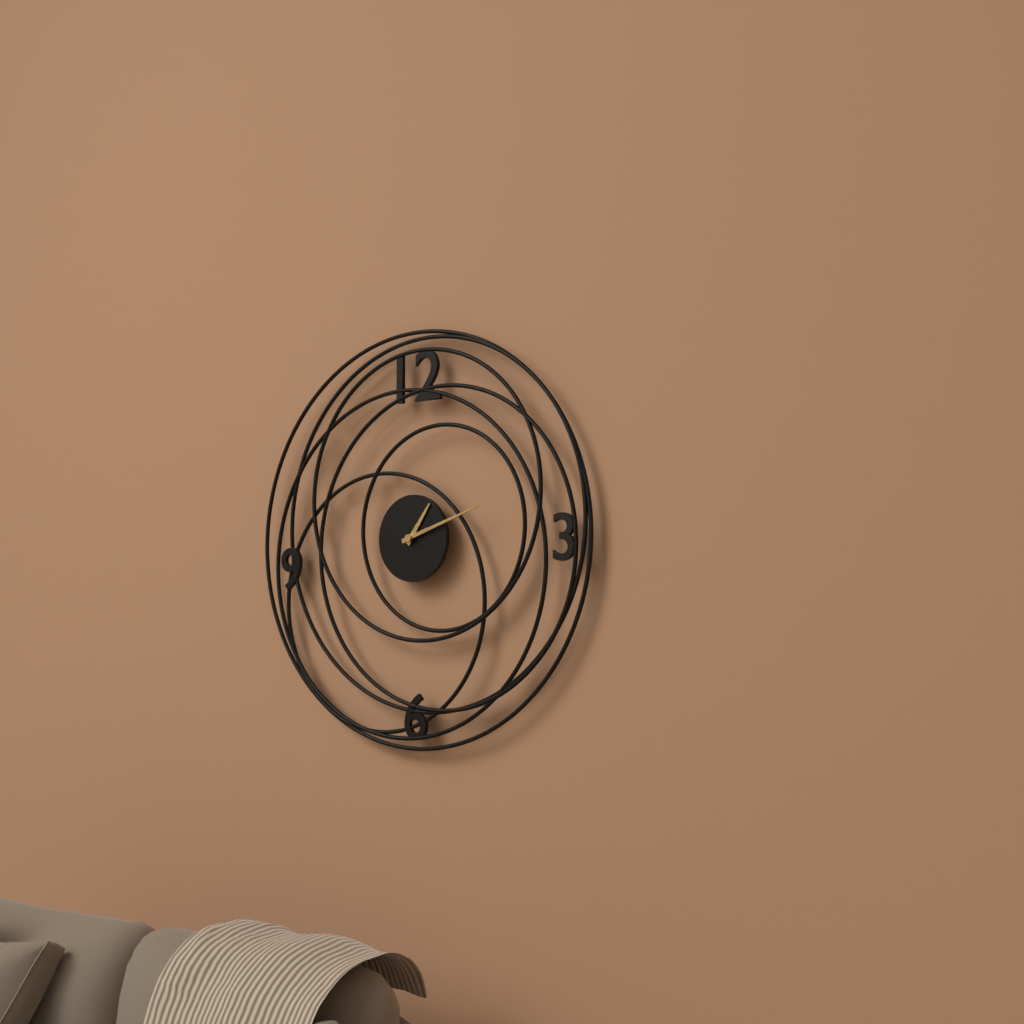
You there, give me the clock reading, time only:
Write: 1:12
